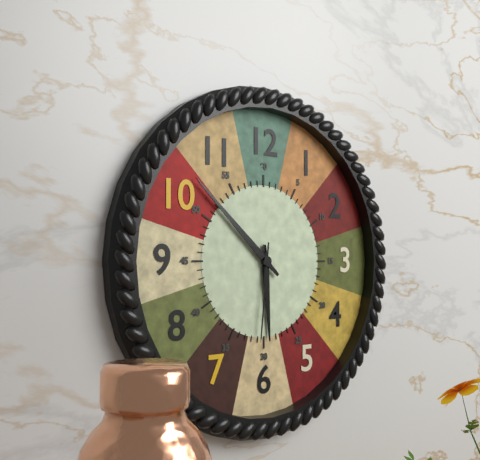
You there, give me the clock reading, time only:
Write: 5:52:31
